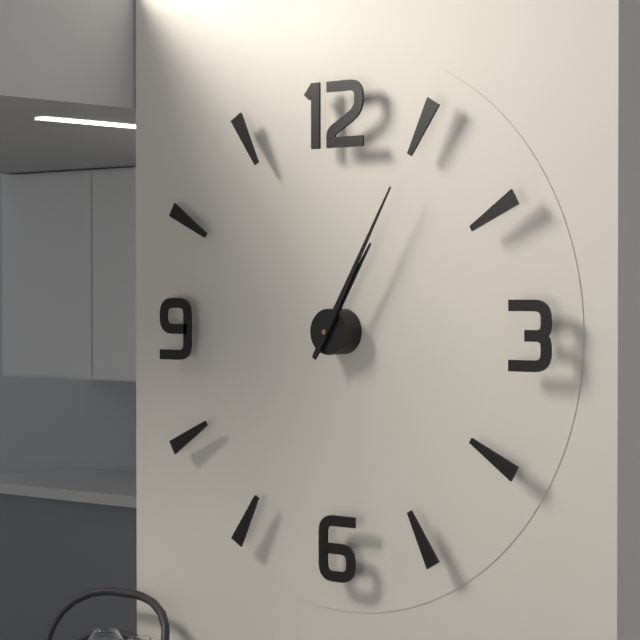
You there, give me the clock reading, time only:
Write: 1:05
